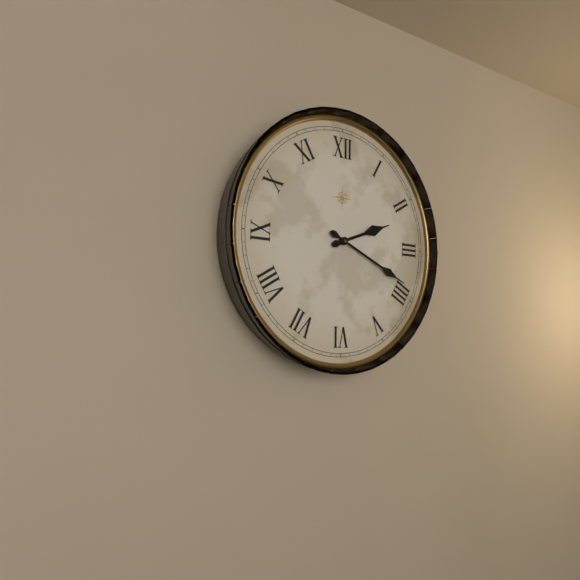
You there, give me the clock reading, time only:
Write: 2:19
